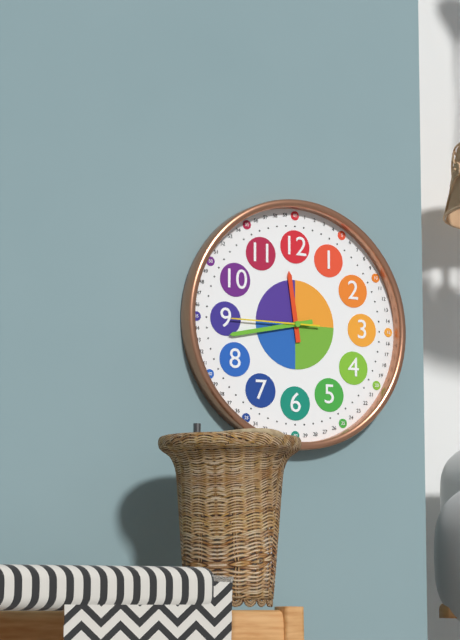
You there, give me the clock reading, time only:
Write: 11:43:45
